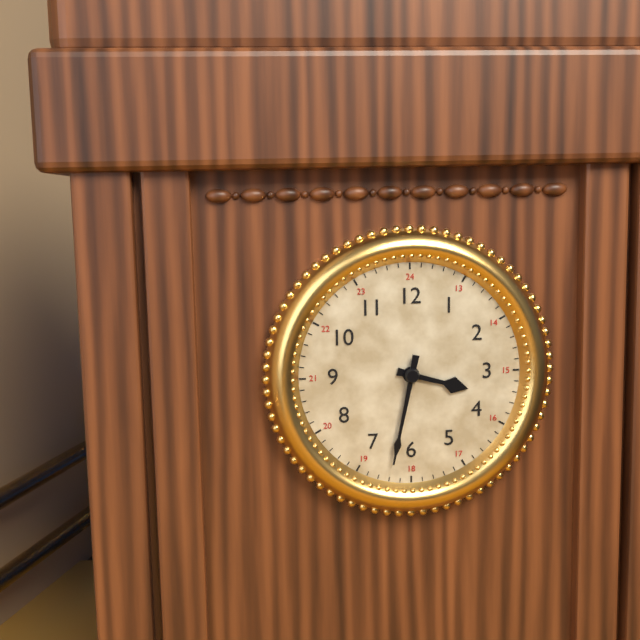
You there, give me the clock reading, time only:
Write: 3:32
